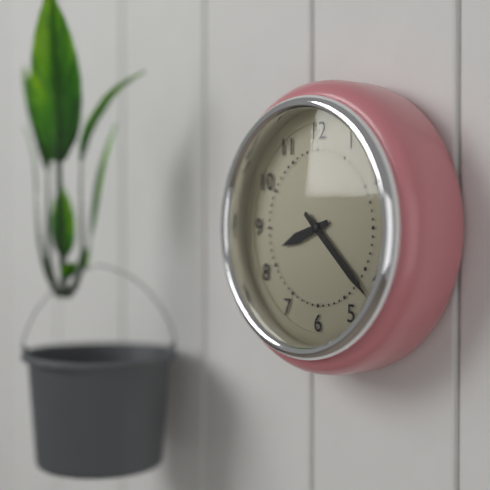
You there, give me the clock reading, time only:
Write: 8:22
